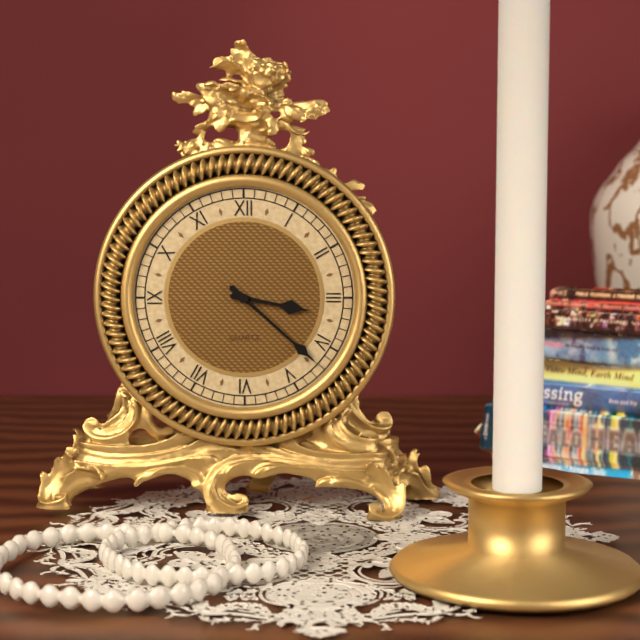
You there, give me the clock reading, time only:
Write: 3:22
